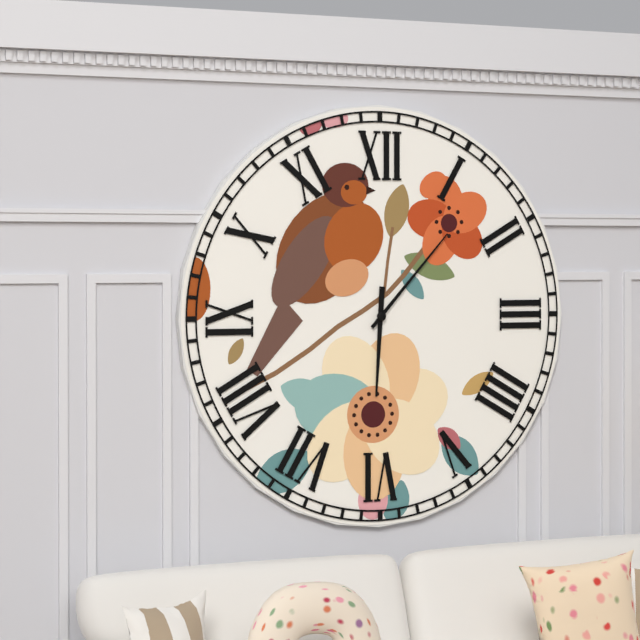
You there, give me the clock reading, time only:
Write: 6:07
